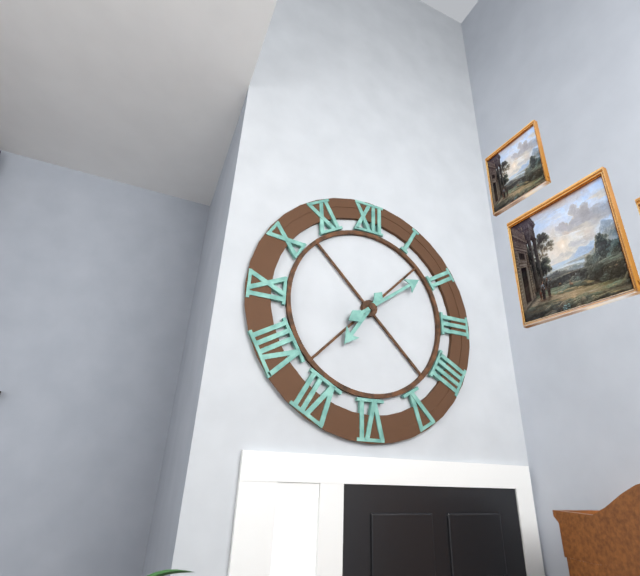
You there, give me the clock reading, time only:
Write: 7:09
